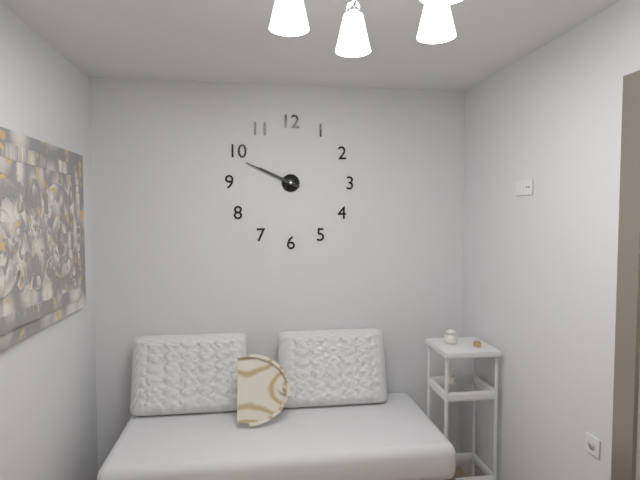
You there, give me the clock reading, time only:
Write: 9:49
